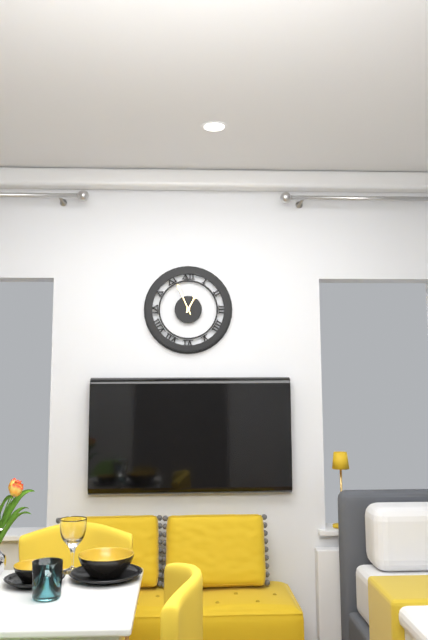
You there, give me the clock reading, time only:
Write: 12:56
